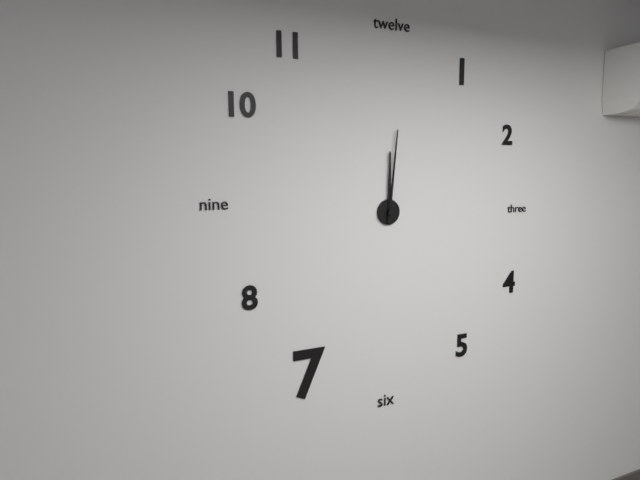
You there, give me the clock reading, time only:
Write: 12:01
